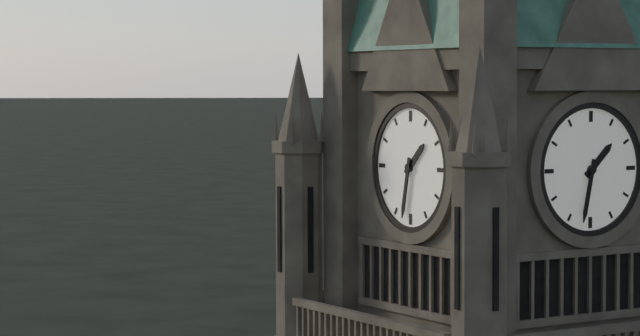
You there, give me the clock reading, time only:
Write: 1:32
